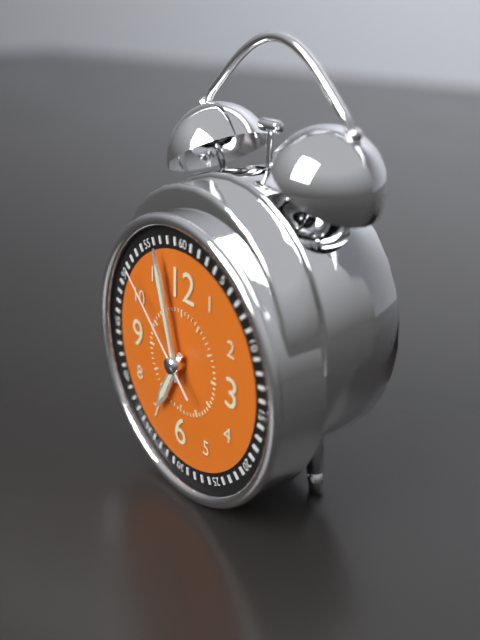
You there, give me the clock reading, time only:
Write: 6:57:52
